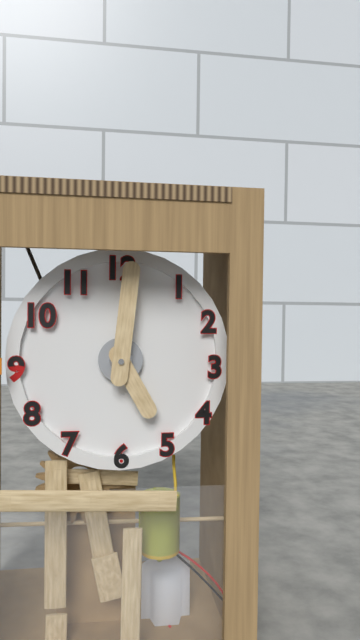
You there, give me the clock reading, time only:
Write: 5:01
